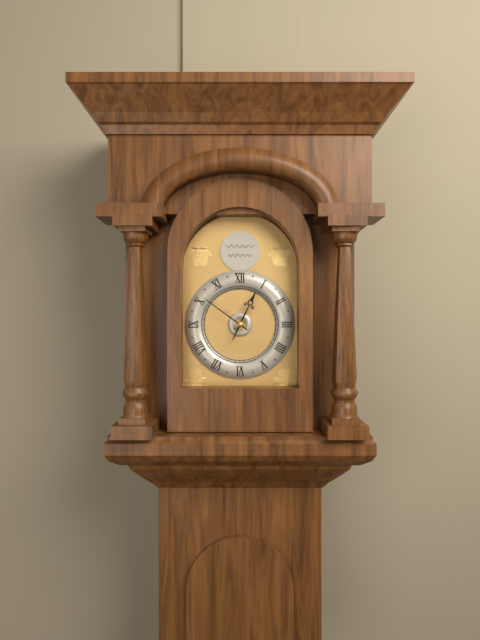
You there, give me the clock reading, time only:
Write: 12:51
